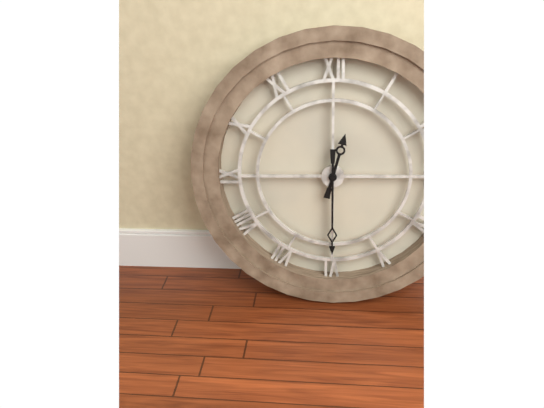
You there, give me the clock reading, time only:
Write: 12:30
